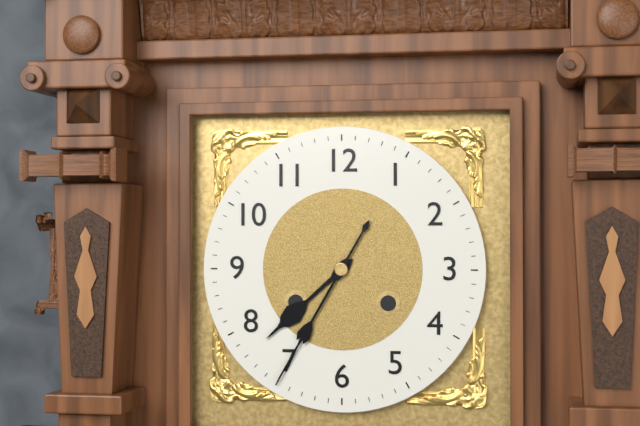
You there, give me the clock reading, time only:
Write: 7:35
